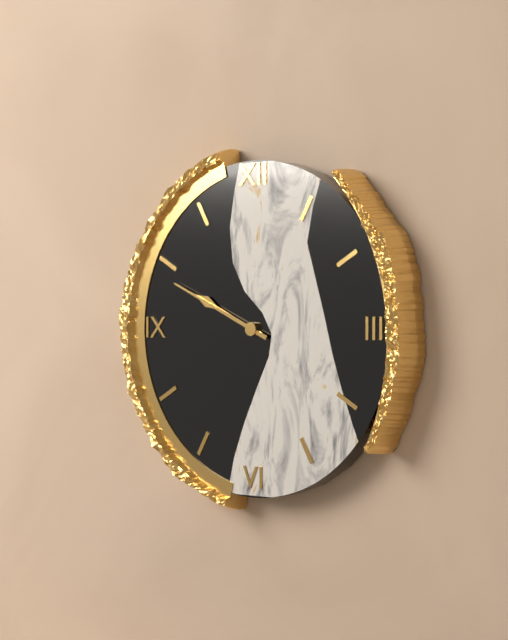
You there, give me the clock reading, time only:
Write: 9:49
